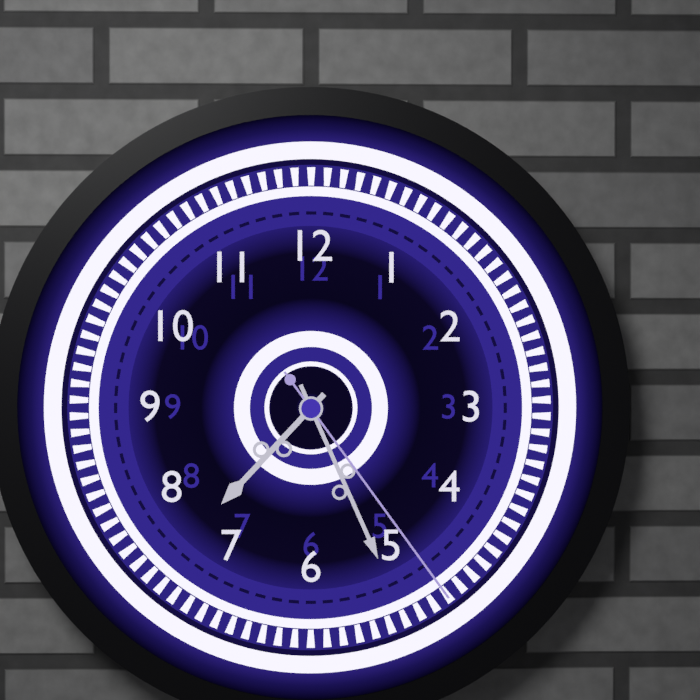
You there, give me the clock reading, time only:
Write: 7:26:24
